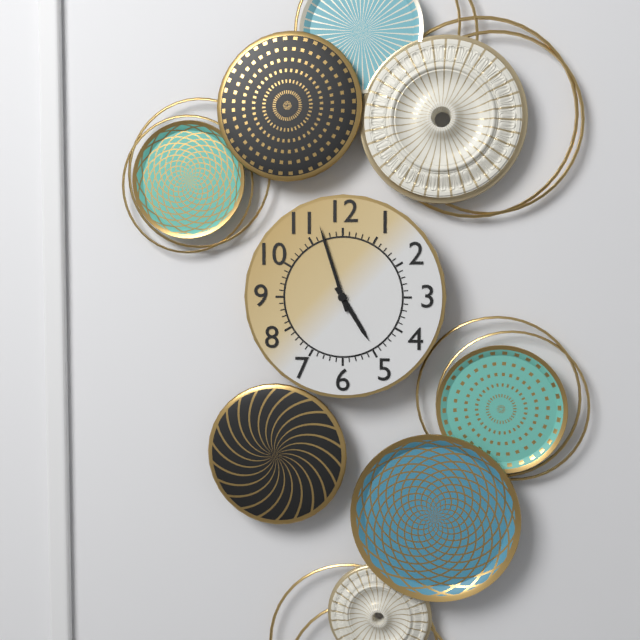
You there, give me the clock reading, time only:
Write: 4:57
